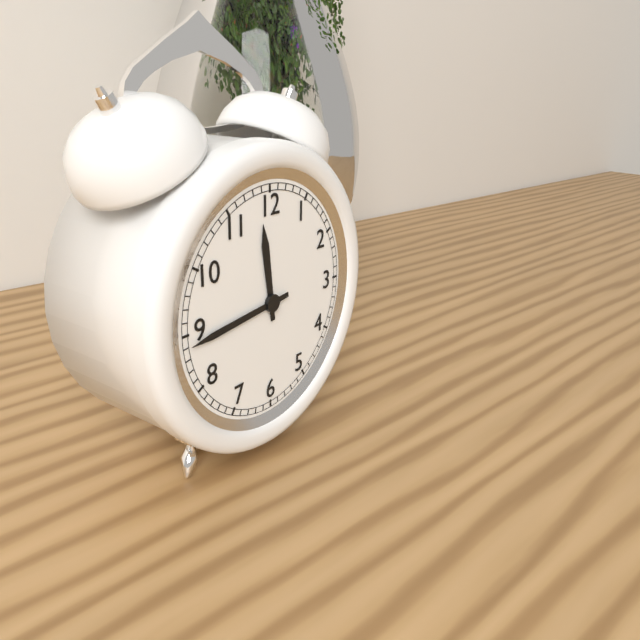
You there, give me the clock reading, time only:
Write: 11:44
